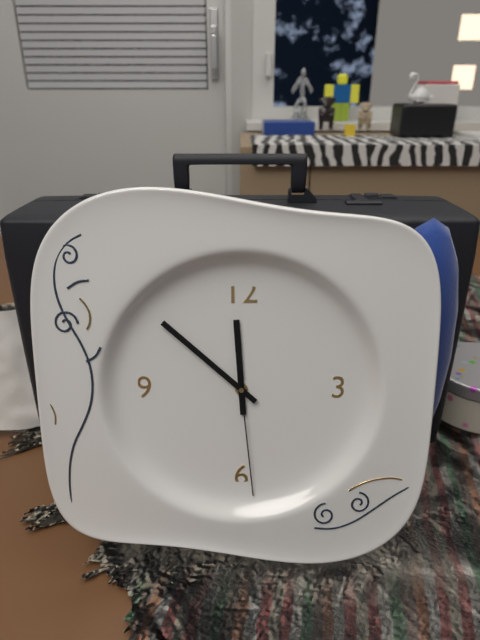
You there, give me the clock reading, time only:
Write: 11:52:29
